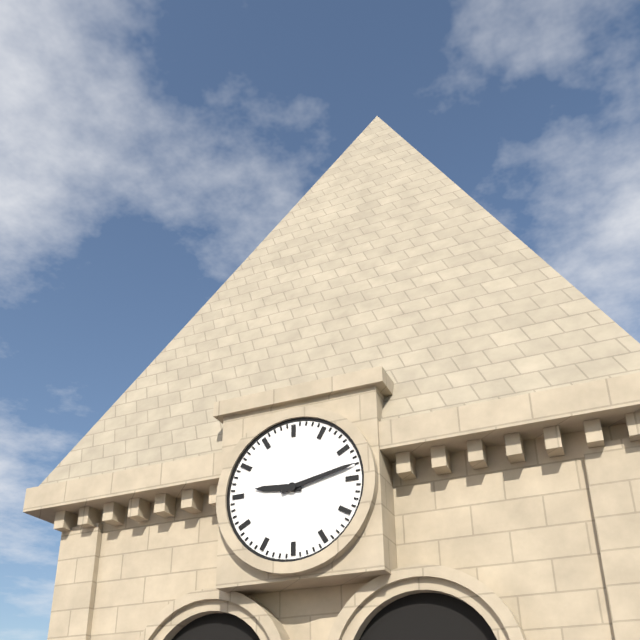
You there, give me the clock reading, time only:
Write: 9:13
